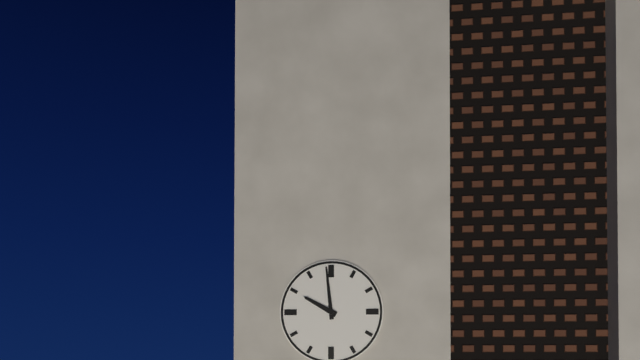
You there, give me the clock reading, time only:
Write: 9:59
